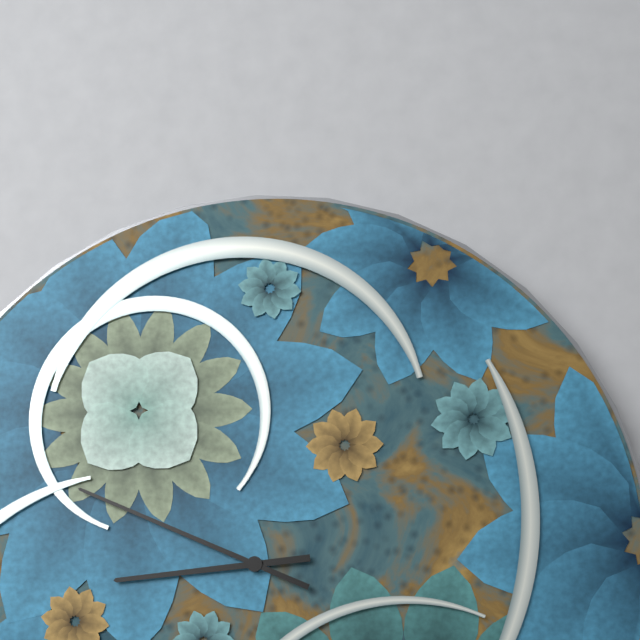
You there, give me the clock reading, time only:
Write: 8:49
